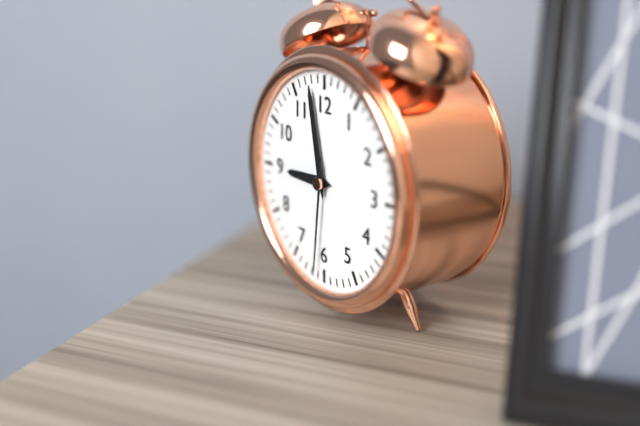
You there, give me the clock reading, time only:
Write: 8:58:31
